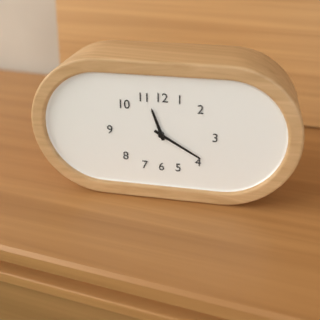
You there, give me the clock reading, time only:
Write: 11:20
